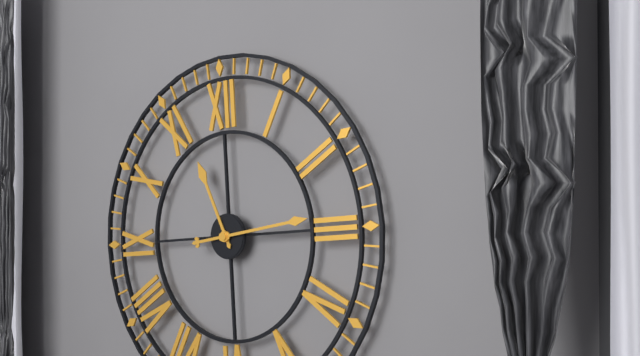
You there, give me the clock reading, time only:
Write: 11:14
